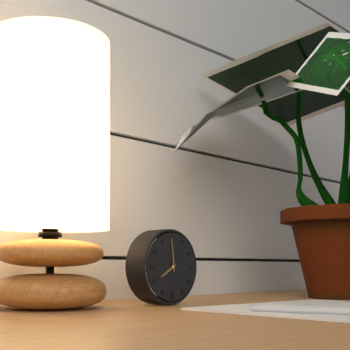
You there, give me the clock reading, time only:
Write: 7:59
